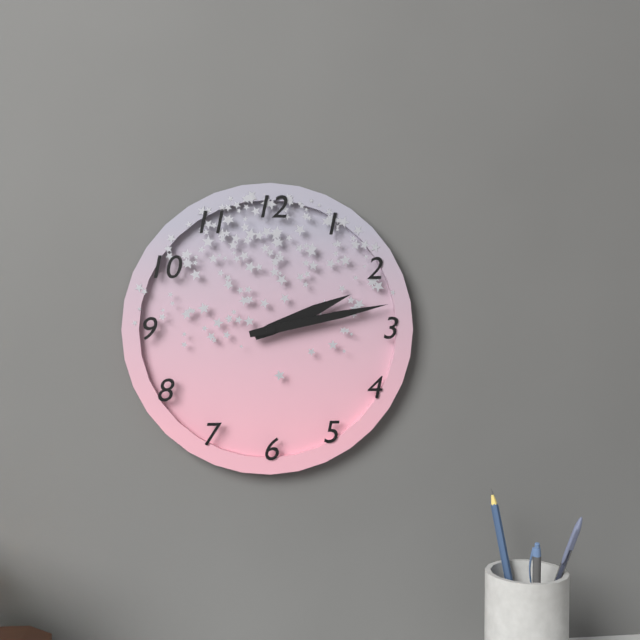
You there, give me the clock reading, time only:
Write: 2:13
